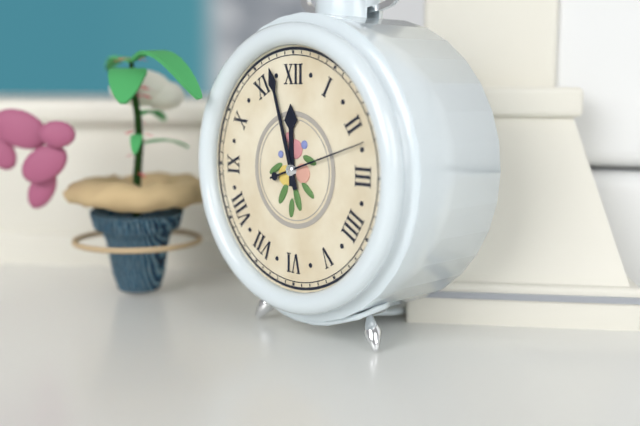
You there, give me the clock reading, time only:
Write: 11:57:12
